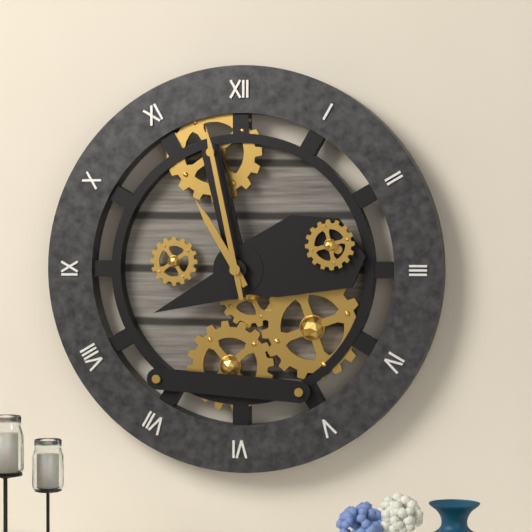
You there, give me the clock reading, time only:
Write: 10:58
